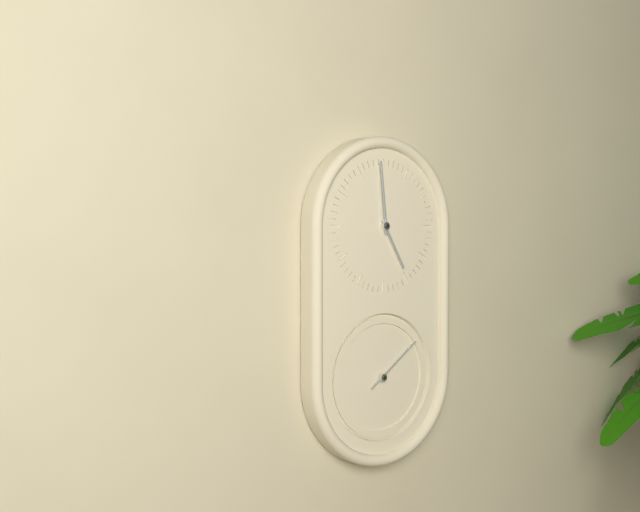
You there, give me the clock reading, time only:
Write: 4:59:09
